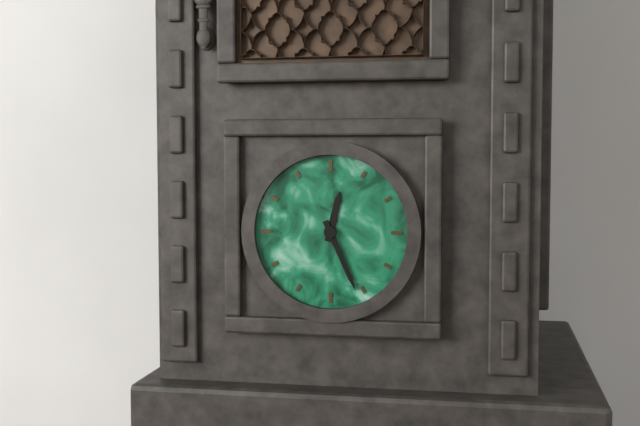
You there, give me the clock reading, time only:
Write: 12:26
